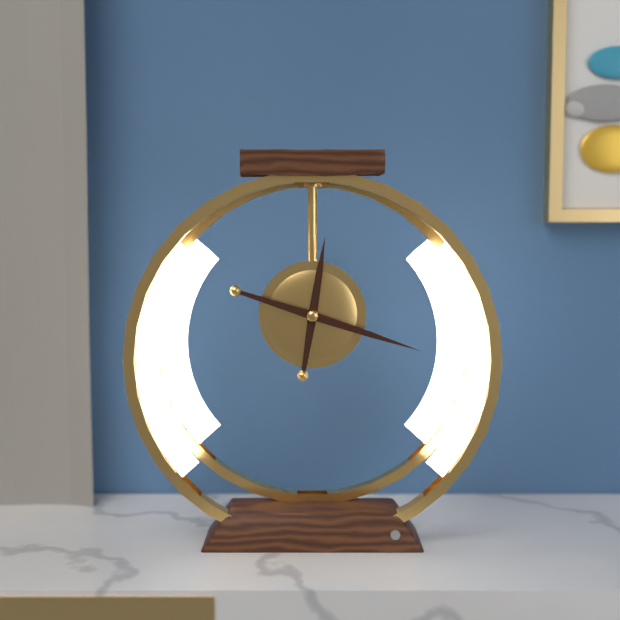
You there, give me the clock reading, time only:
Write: 12:18
